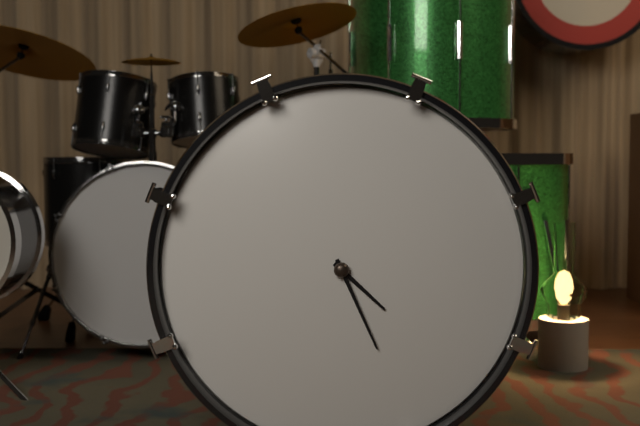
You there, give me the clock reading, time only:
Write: 4:26
